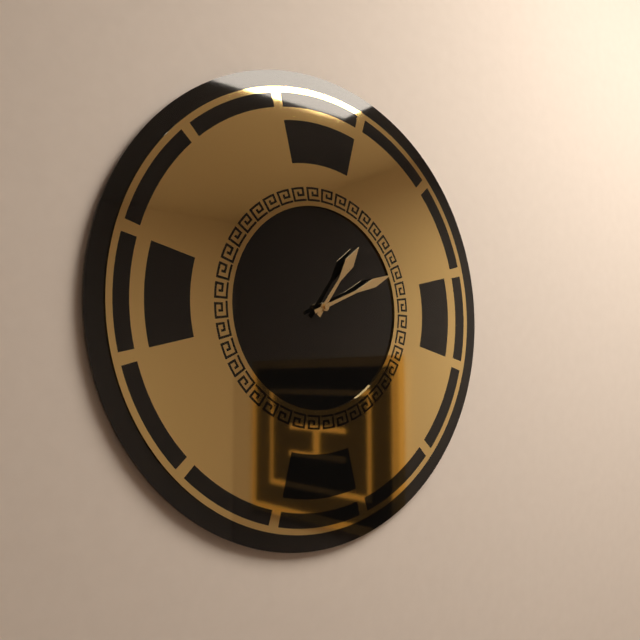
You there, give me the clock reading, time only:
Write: 1:11
